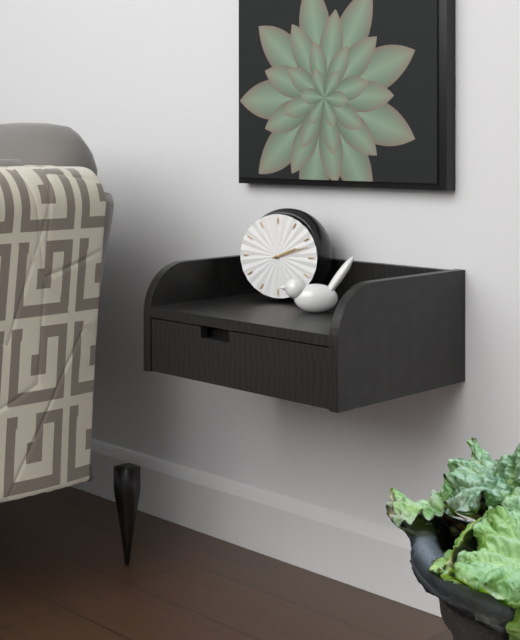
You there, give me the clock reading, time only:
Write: 2:12
